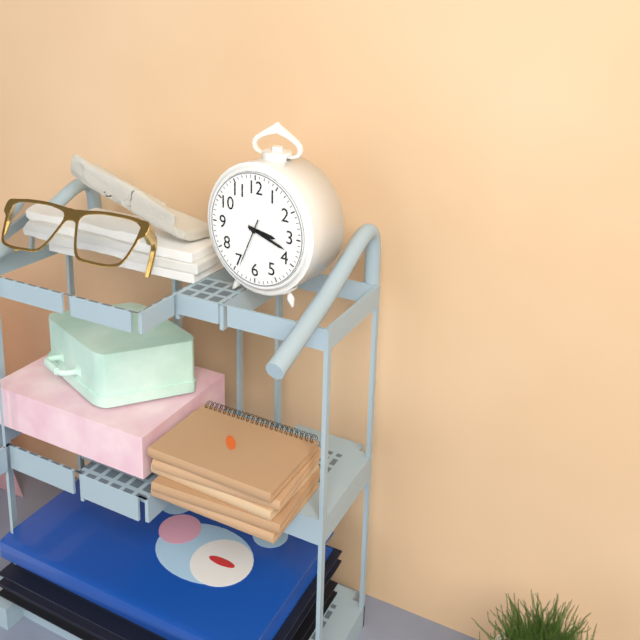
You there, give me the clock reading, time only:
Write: 3:18
